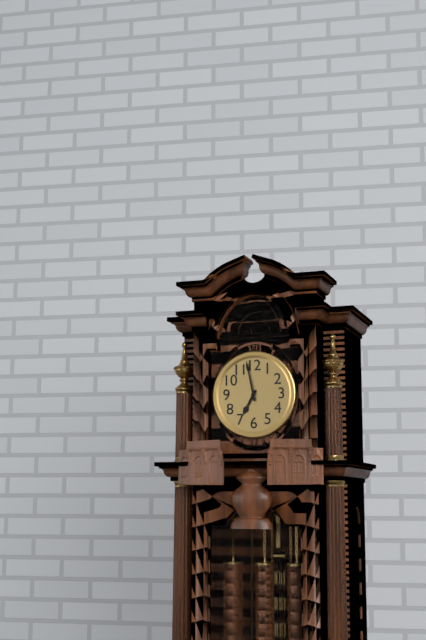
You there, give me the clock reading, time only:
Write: 6:58
